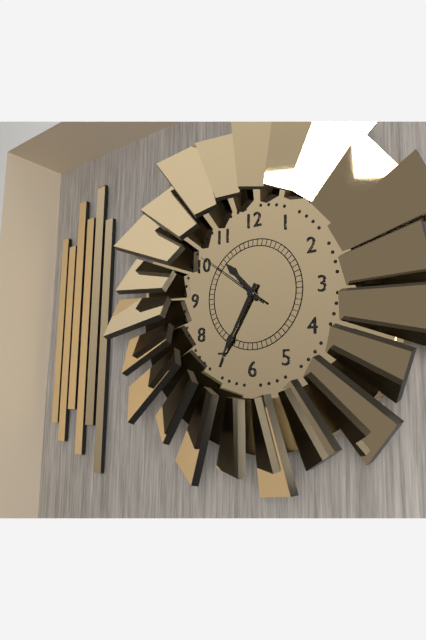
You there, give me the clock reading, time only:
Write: 10:35:51
